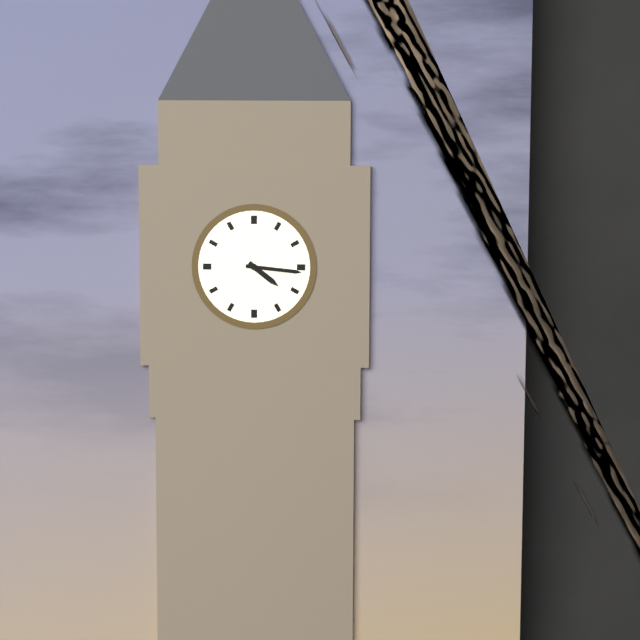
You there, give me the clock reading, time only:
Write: 4:16
